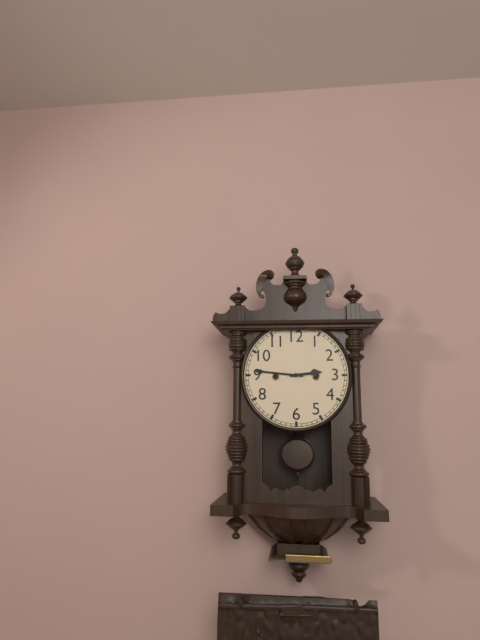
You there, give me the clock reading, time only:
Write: 2:46
